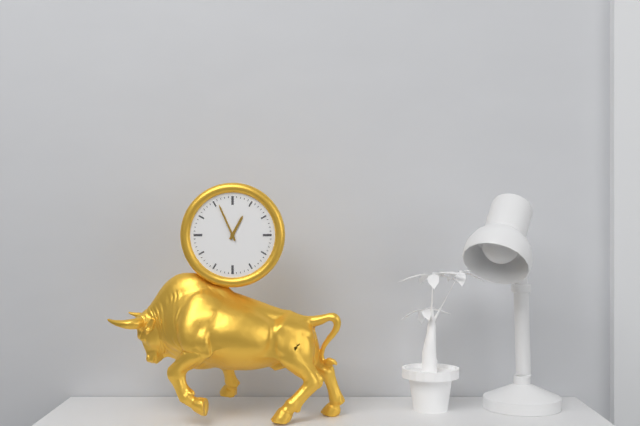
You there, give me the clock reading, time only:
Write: 12:56
